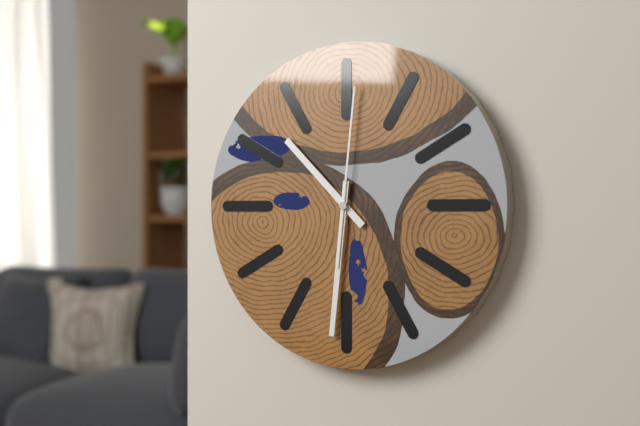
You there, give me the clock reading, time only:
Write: 10:31:01
